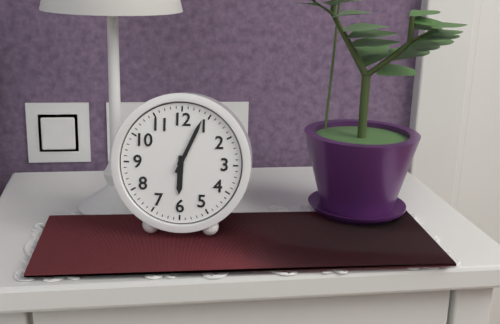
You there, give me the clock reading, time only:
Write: 6:04
